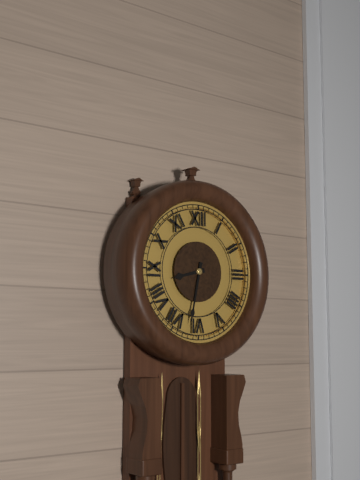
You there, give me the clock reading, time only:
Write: 8:32
